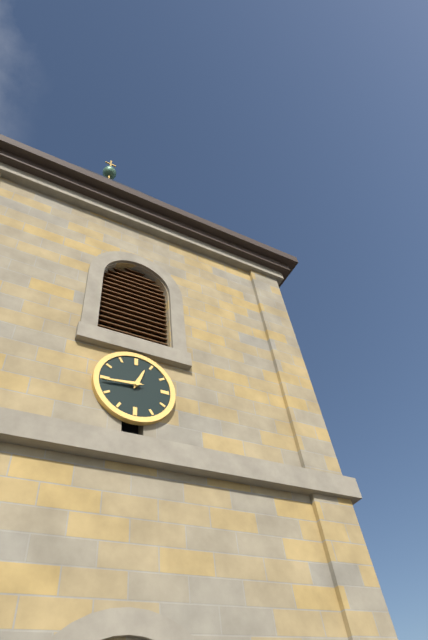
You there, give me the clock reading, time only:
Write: 12:44
